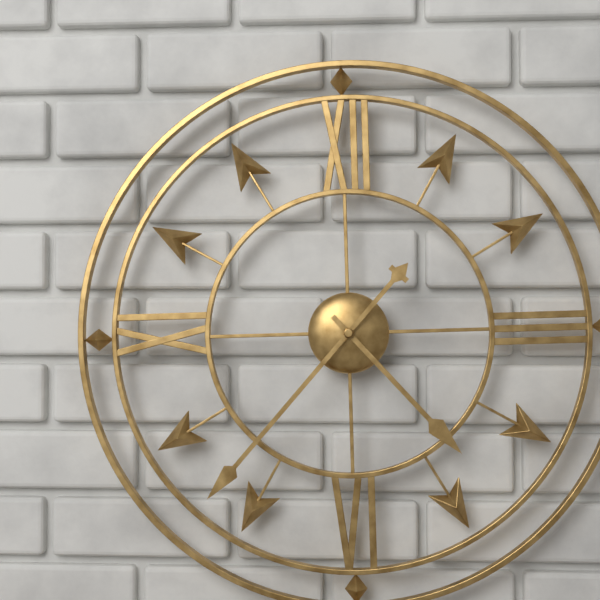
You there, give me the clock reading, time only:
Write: 4:37
